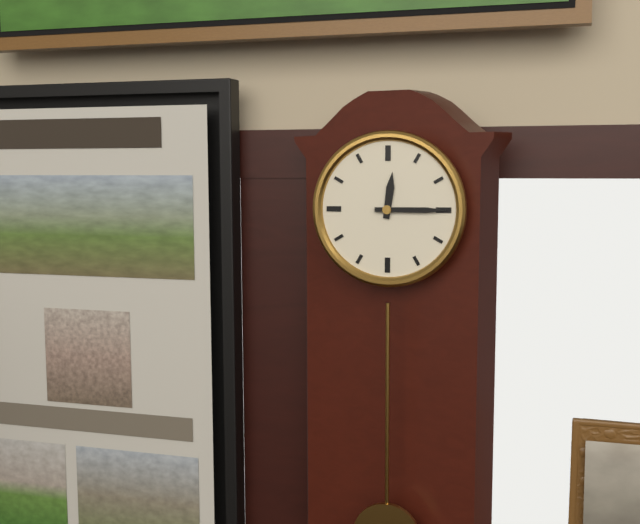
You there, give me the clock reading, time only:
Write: 12:15
